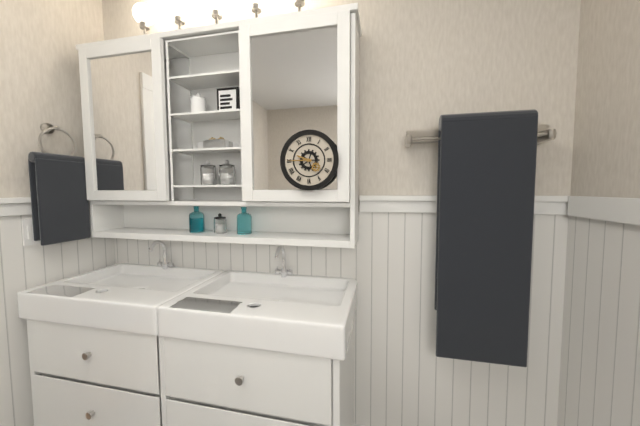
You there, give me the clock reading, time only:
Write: 9:45
